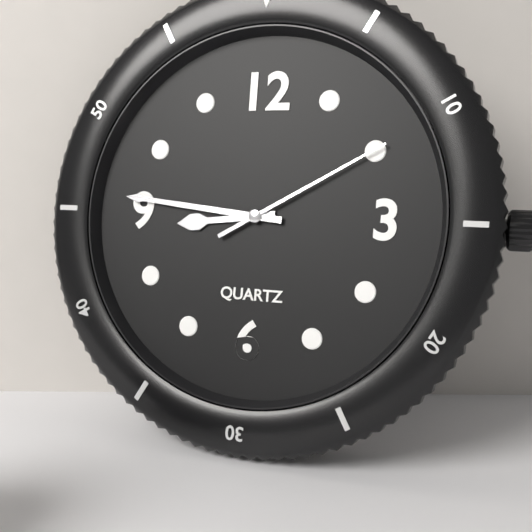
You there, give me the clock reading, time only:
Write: 8:46:10
